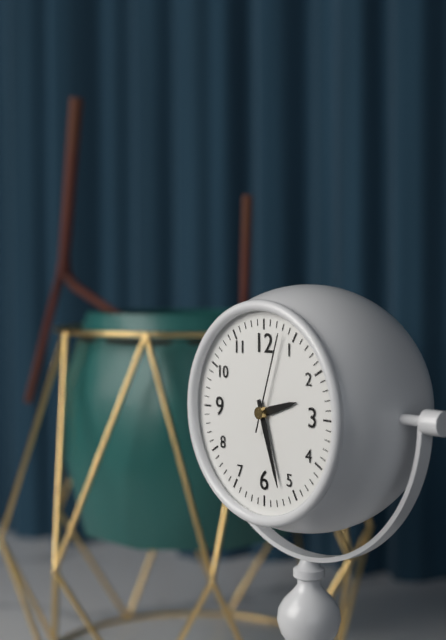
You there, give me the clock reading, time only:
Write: 2:27:03
